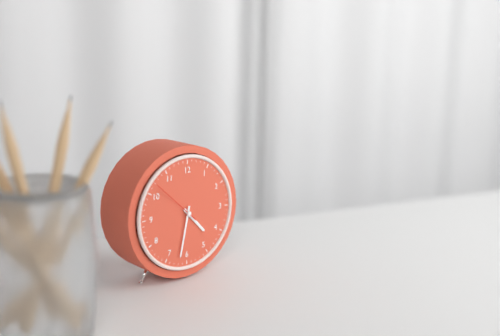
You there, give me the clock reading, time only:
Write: 4:32:52
